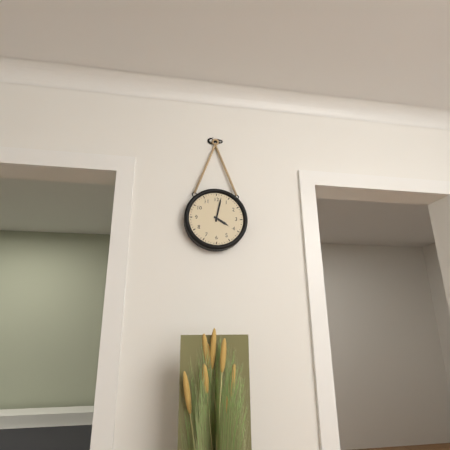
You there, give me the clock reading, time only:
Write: 4:02
